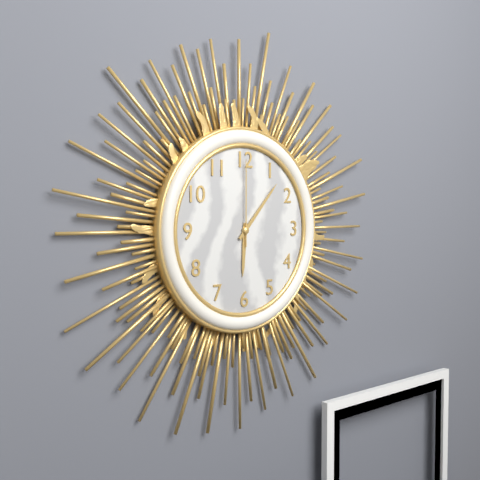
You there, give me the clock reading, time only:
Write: 6:07:00
